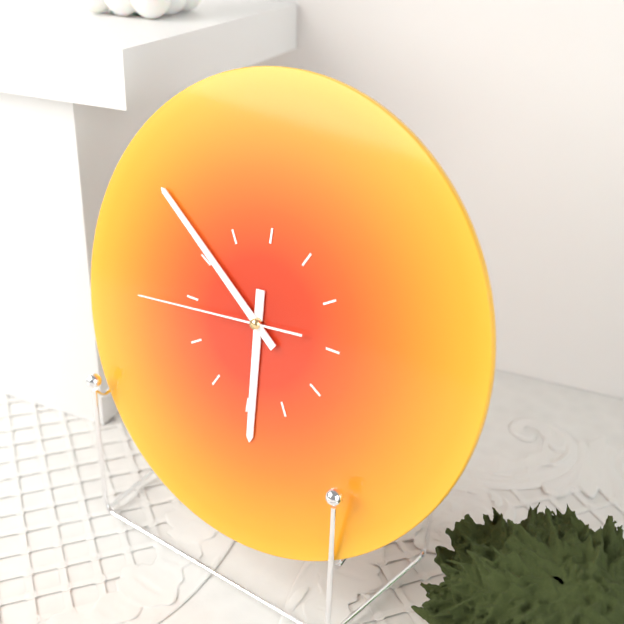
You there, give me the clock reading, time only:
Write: 5:51:44
